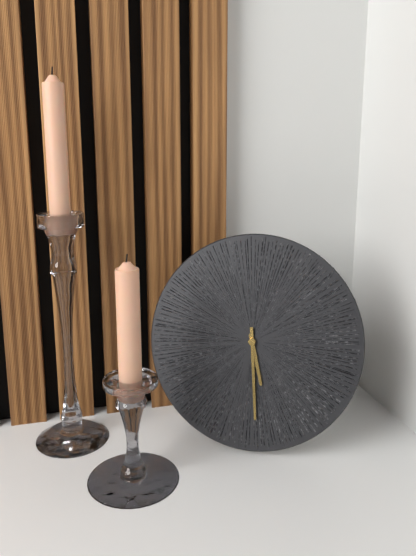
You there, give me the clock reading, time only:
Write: 5:29
